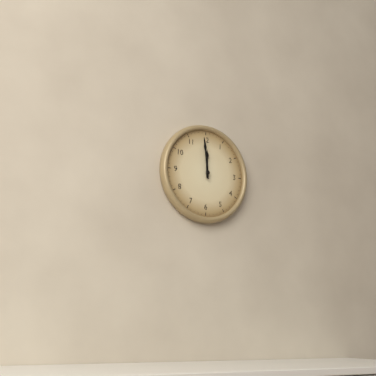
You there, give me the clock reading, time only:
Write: 11:59
